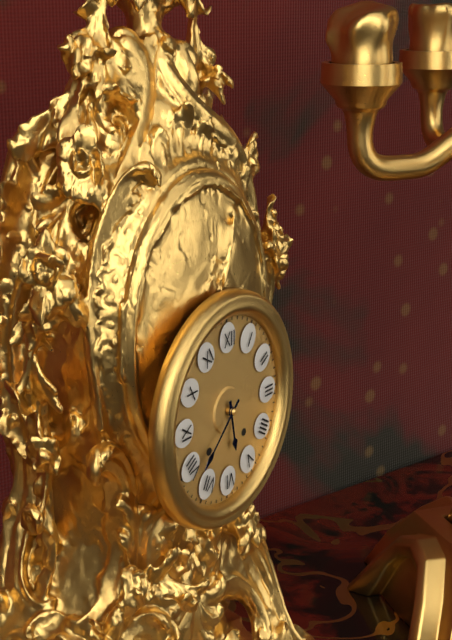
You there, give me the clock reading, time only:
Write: 5:38
